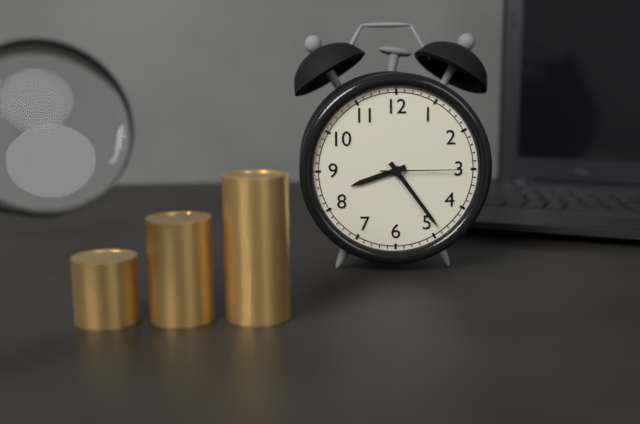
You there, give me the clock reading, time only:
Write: 8:24:15
